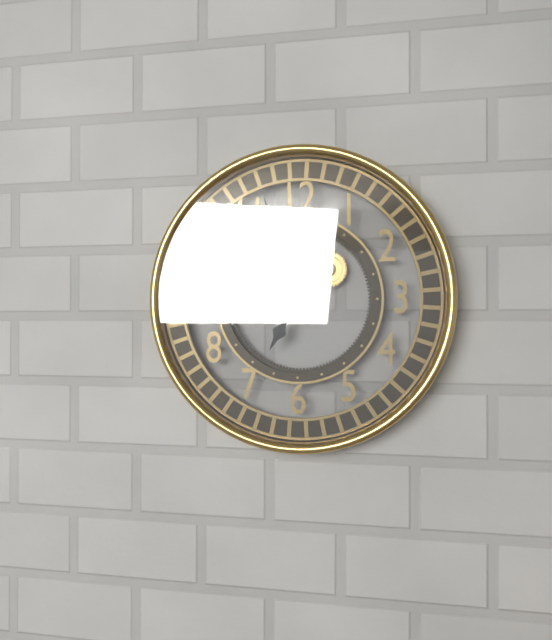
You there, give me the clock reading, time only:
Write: 6:57
